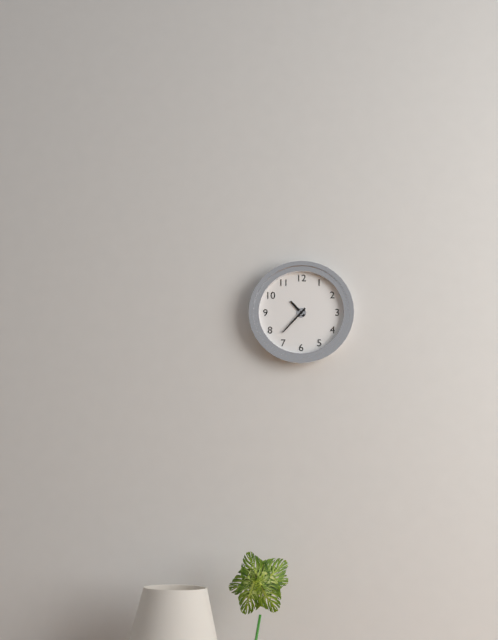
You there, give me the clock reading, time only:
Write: 10:37
